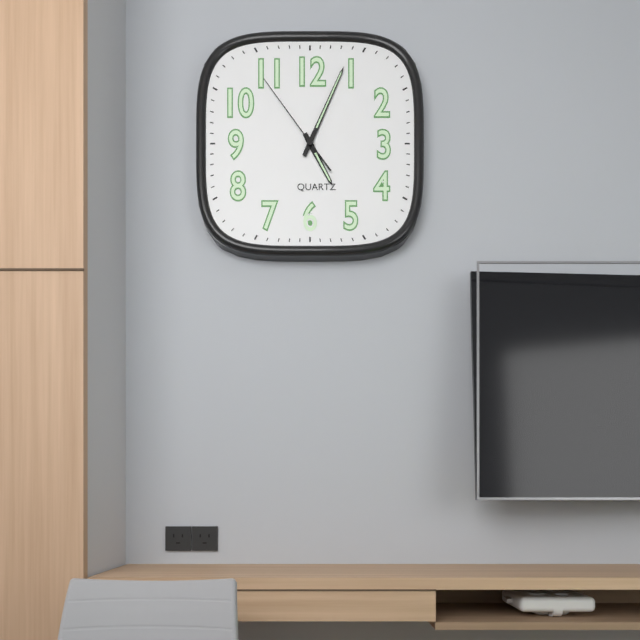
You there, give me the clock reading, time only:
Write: 5:04:54
